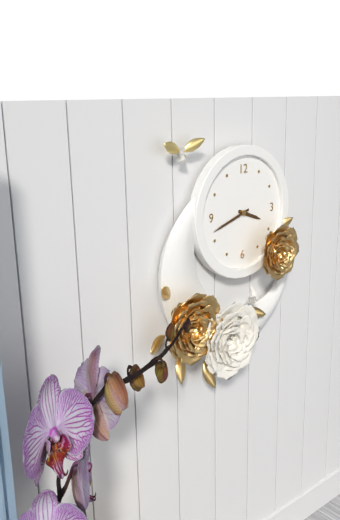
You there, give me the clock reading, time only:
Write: 3:42
